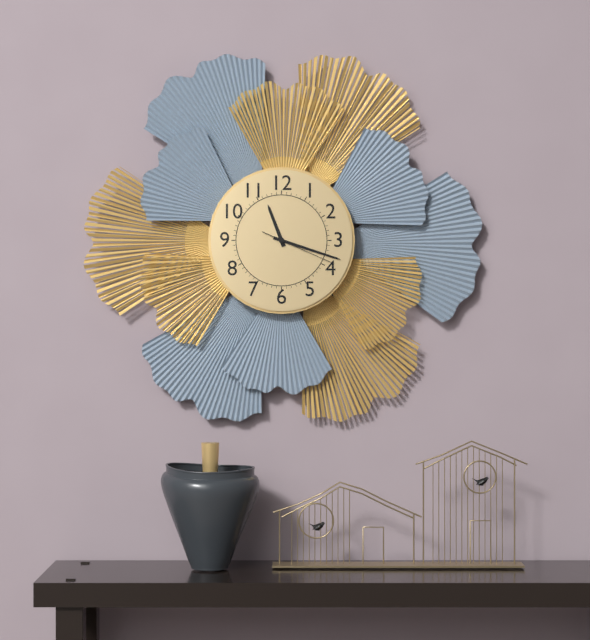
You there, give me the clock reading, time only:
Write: 11:18:19
